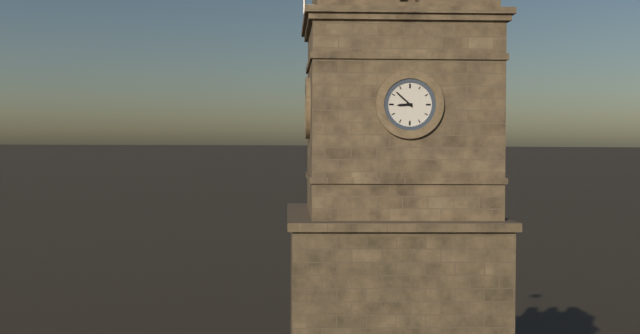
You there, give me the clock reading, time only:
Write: 8:52
